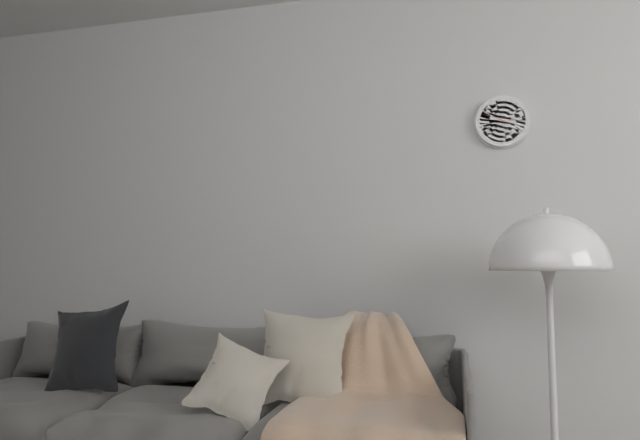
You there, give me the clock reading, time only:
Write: 2:50
